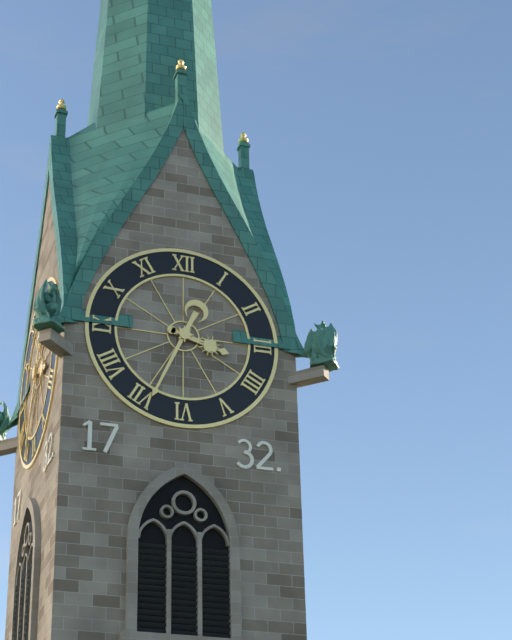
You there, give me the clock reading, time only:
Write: 3:34
